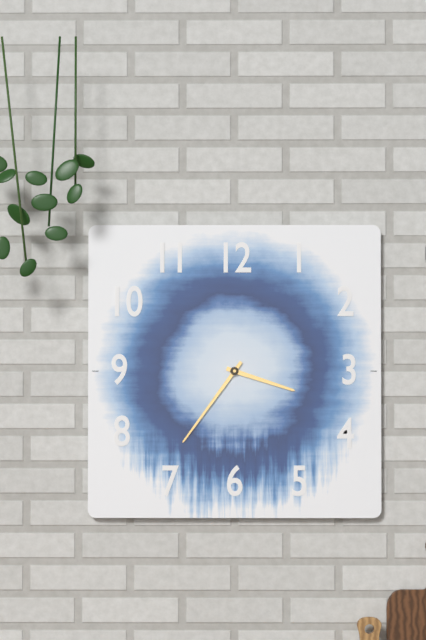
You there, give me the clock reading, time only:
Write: 3:36
